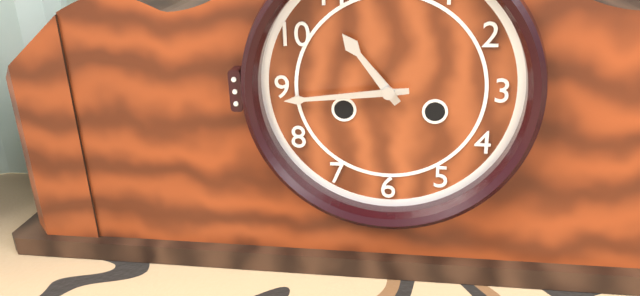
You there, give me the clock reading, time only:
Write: 10:44
